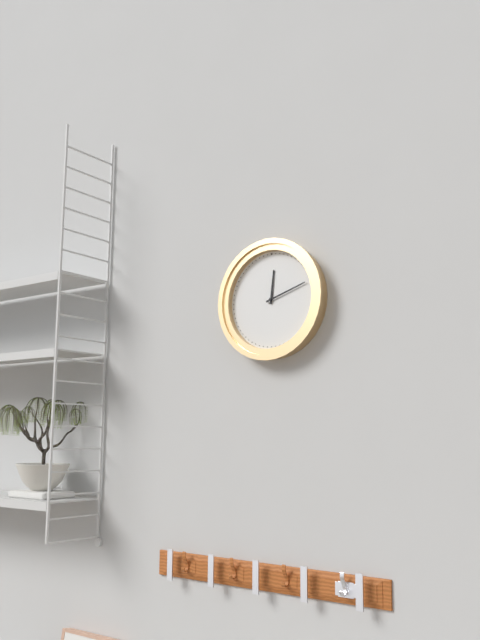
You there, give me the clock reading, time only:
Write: 12:12
